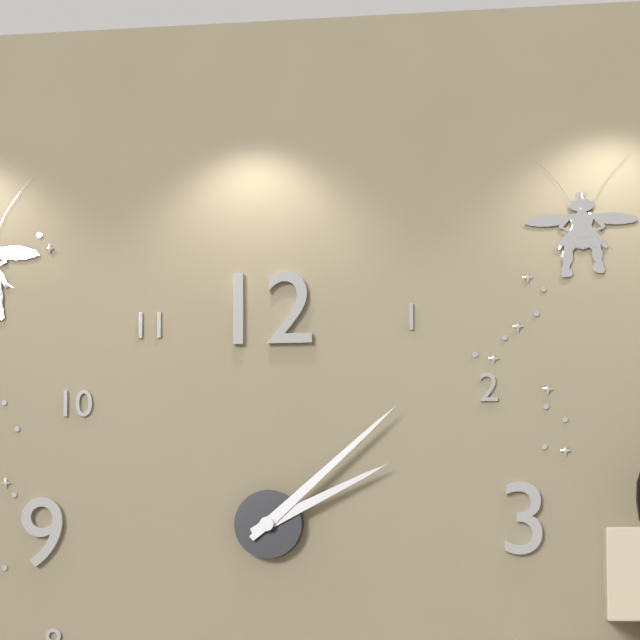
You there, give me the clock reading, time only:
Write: 2:08
